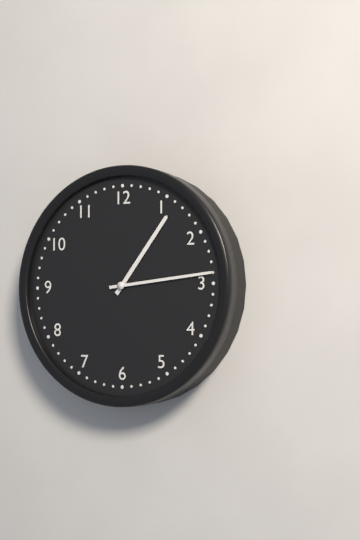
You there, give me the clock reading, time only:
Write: 1:14
